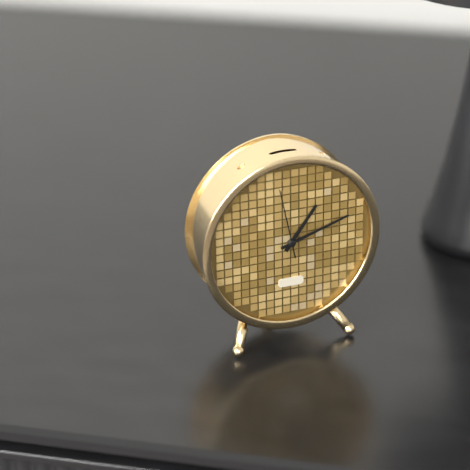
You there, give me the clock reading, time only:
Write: 1:12:58
